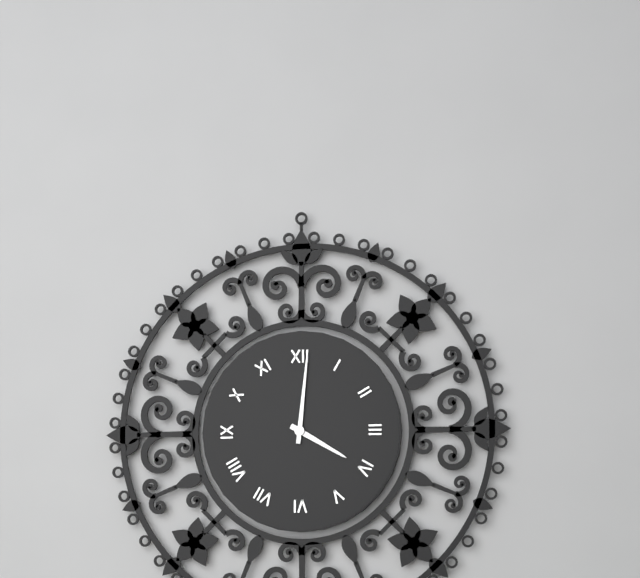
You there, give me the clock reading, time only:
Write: 4:01
